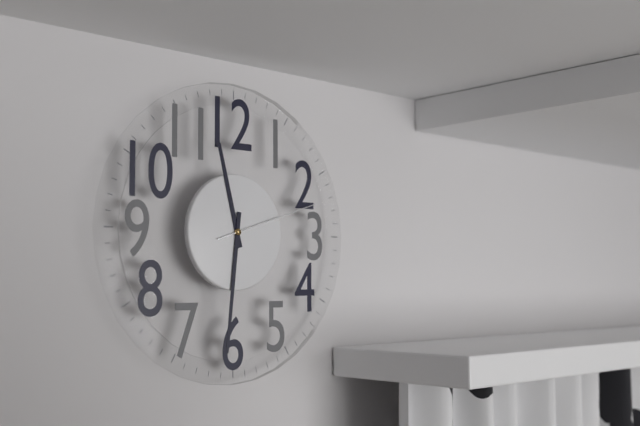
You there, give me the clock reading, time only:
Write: 11:31:12
